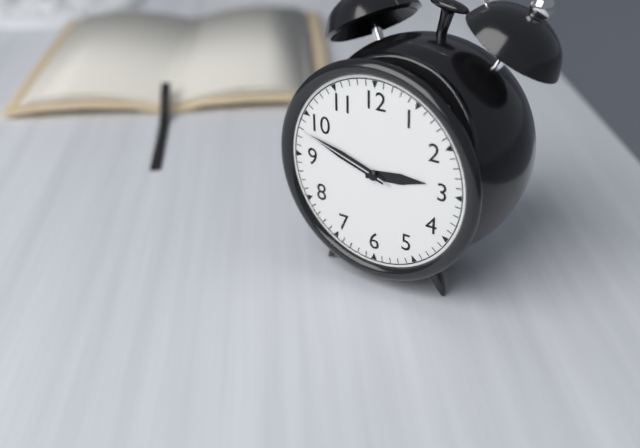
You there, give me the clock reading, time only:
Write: 2:48:48
